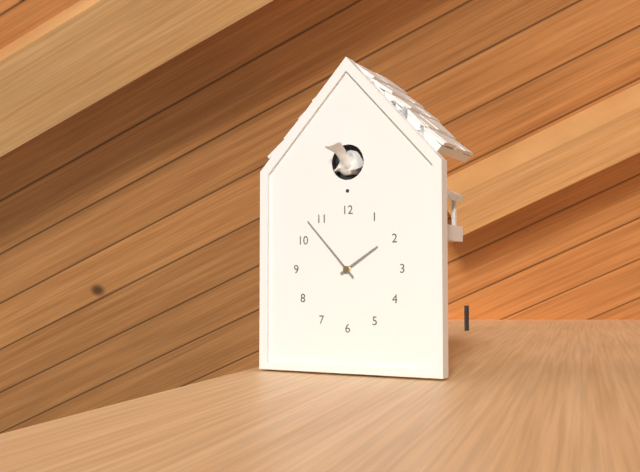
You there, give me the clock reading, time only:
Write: 1:53
